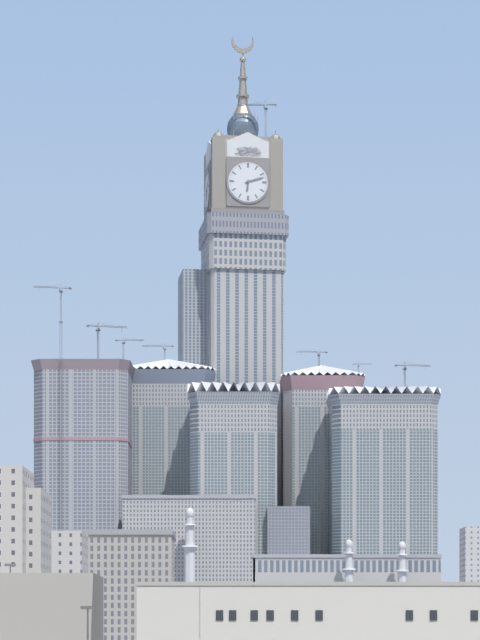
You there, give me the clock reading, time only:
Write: 6:12
